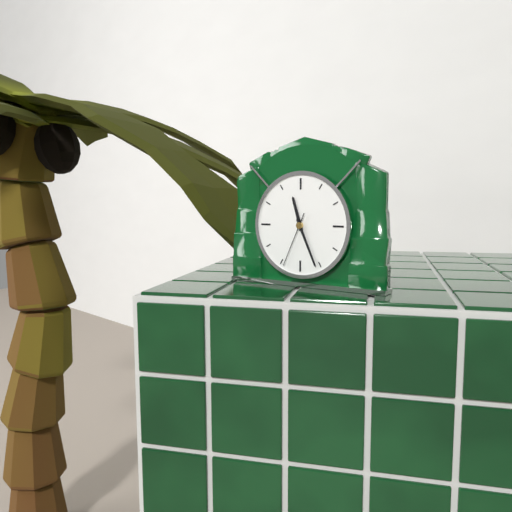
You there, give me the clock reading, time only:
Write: 11:26:34
